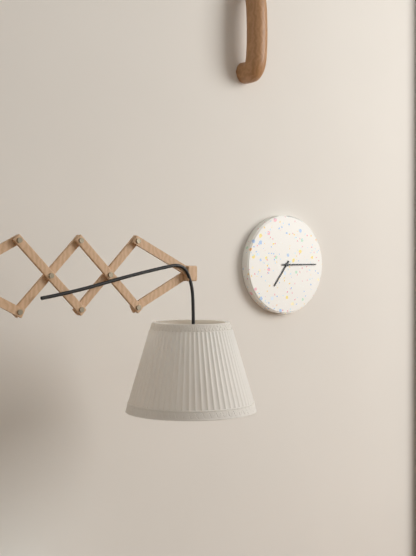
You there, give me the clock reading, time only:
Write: 7:15
